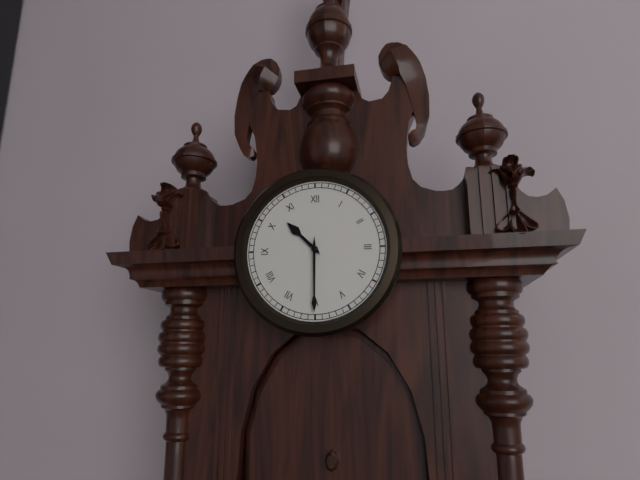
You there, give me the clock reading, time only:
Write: 10:30
